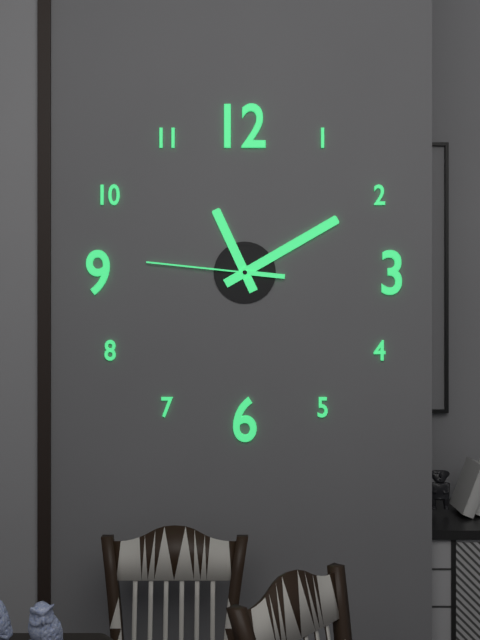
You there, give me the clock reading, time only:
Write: 11:10:46
